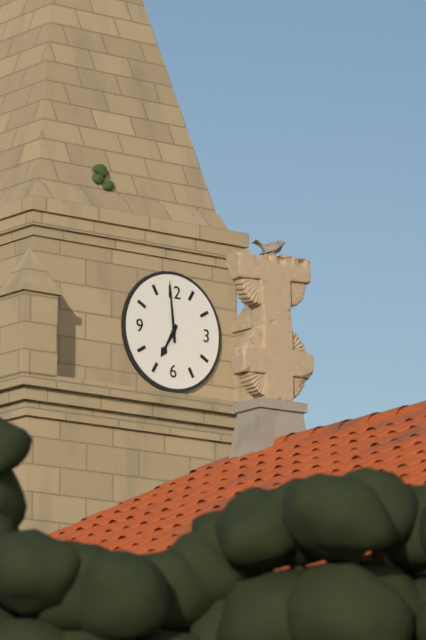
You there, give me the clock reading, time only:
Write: 6:59
